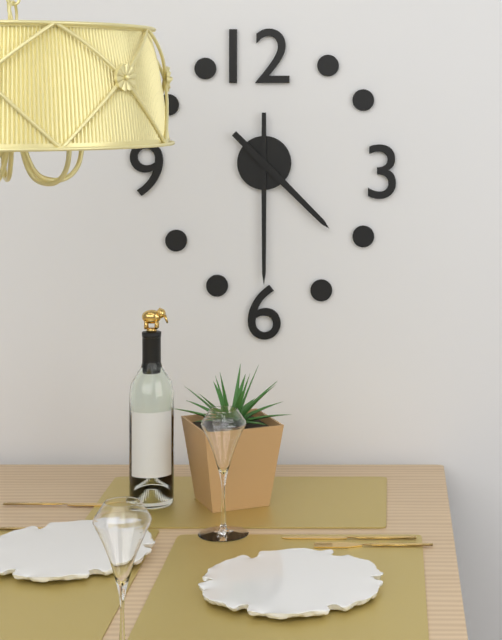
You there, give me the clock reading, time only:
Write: 4:30
